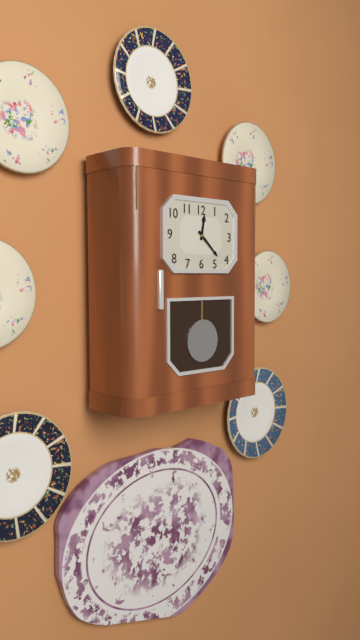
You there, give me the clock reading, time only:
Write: 12:22
